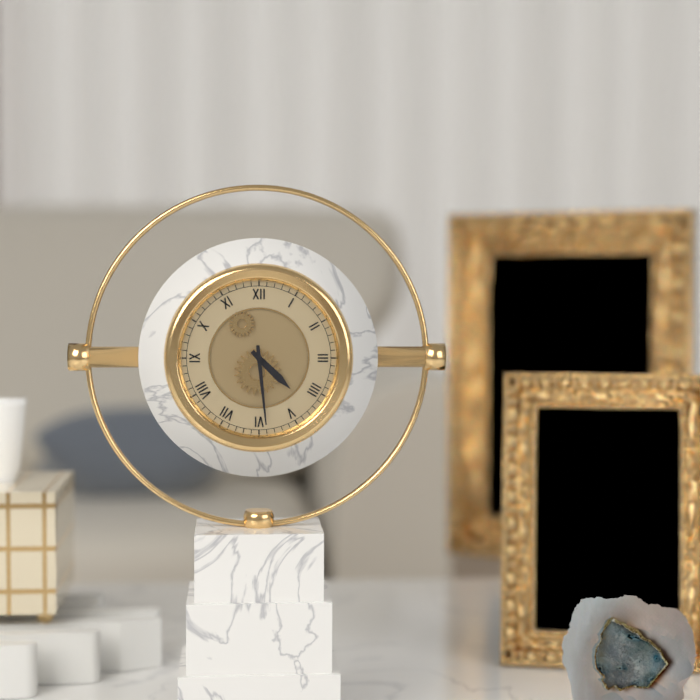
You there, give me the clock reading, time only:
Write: 4:29
